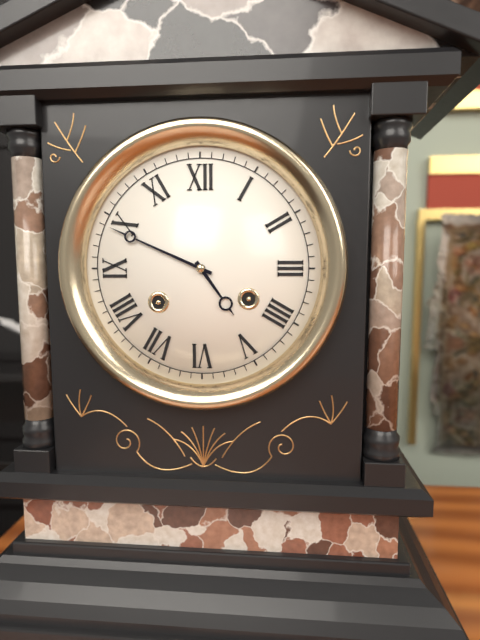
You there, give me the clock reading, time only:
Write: 4:49
